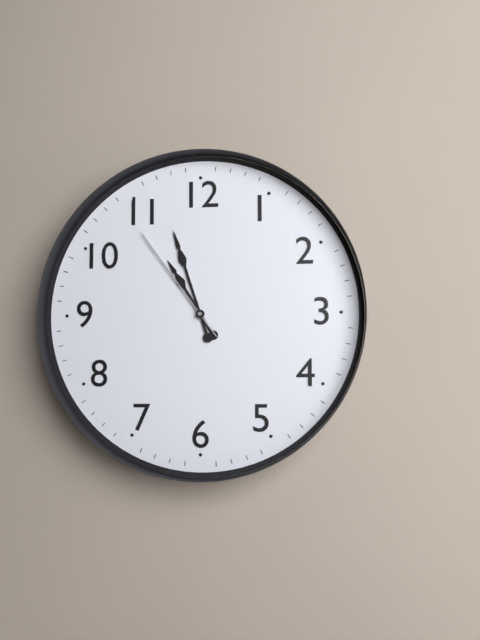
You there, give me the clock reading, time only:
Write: 10:57:54
